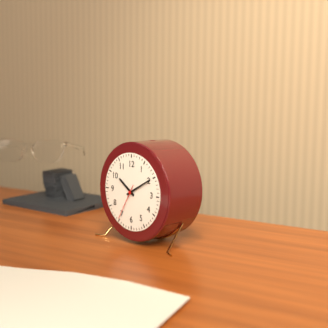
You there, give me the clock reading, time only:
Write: 10:10
